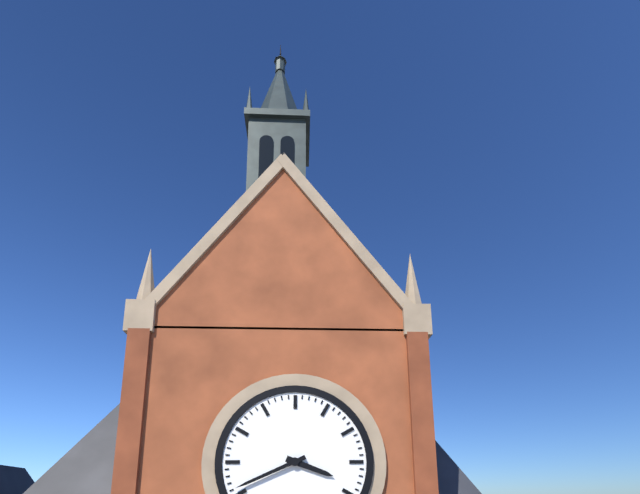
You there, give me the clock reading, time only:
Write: 3:41
